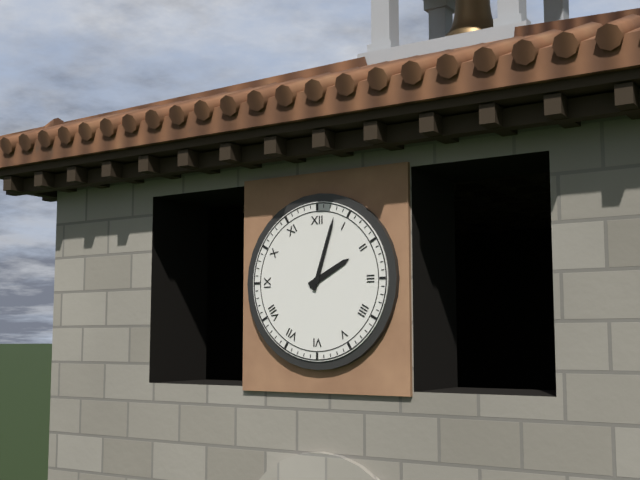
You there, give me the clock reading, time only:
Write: 2:03
